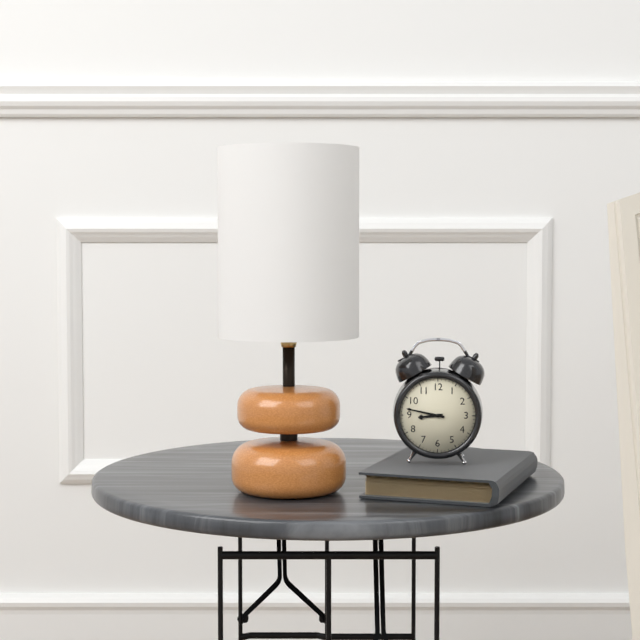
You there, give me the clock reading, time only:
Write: 8:47
